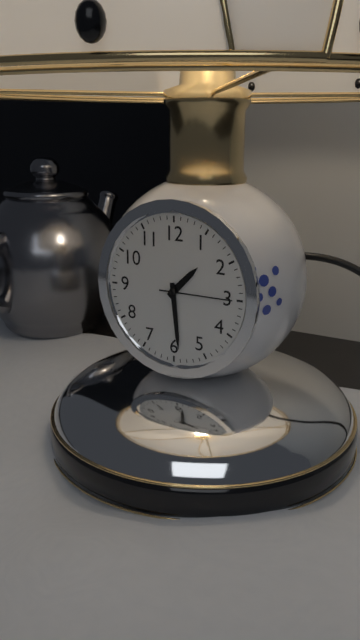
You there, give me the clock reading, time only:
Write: 1:29:15
